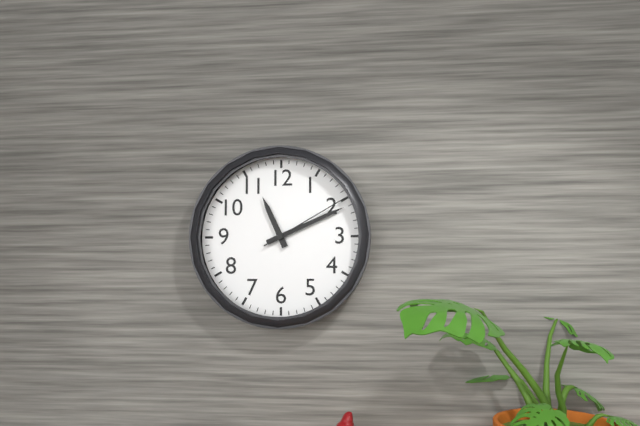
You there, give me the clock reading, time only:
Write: 11:11:10
